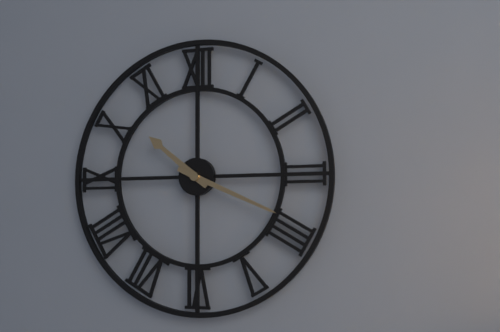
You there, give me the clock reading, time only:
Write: 10:19
